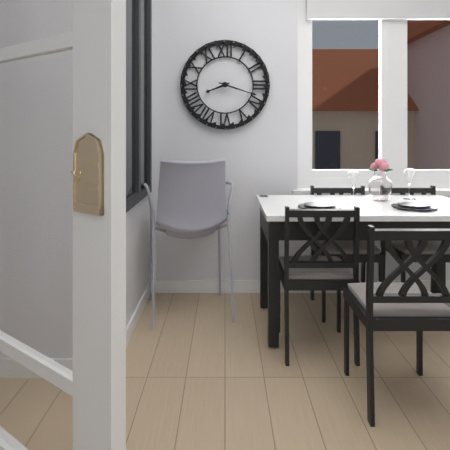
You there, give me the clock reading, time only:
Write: 8:18
